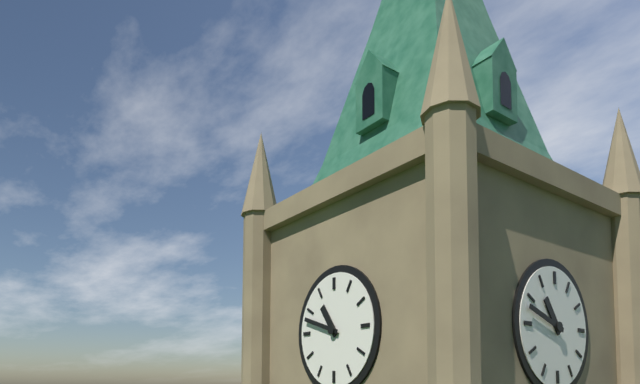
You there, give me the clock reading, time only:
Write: 10:48
